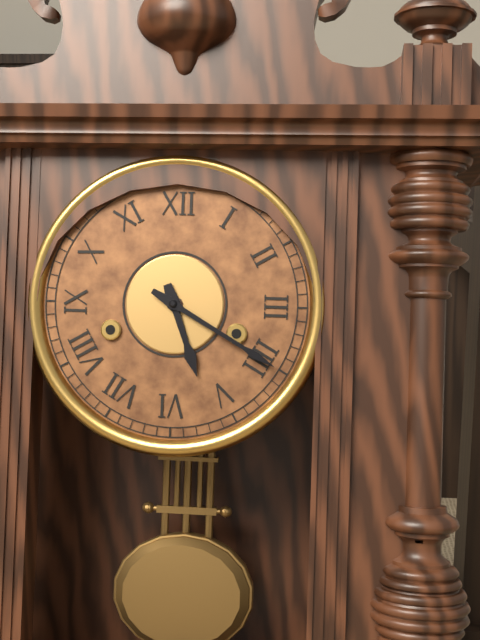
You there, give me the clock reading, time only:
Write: 5:20
